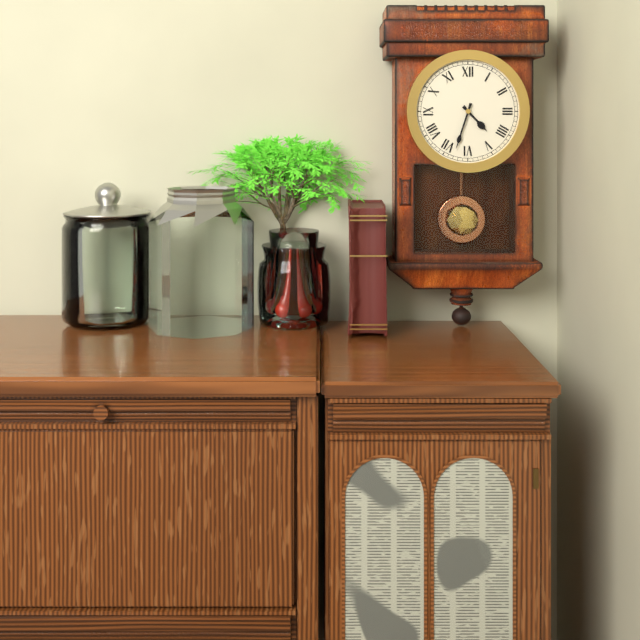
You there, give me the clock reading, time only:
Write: 4:33
